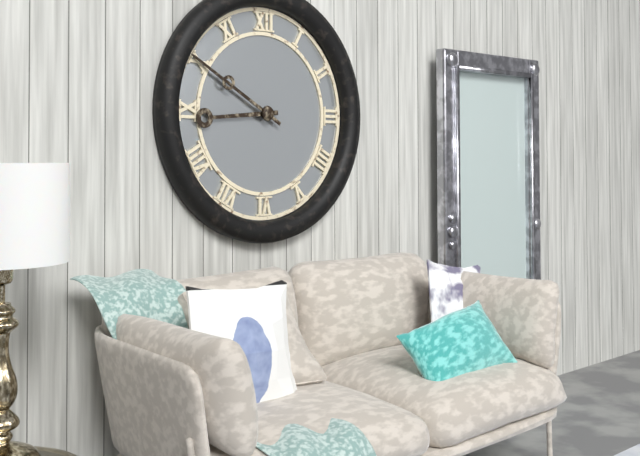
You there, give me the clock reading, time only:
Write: 8:50
